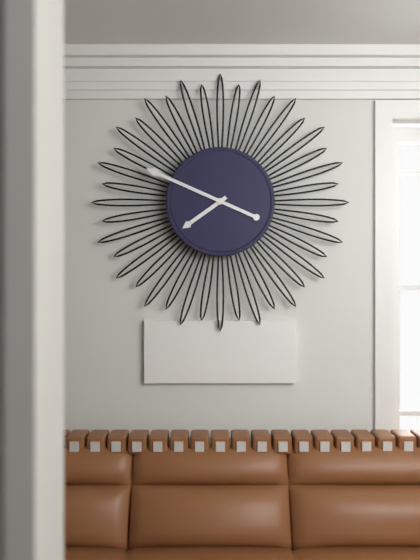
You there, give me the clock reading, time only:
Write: 7:49
